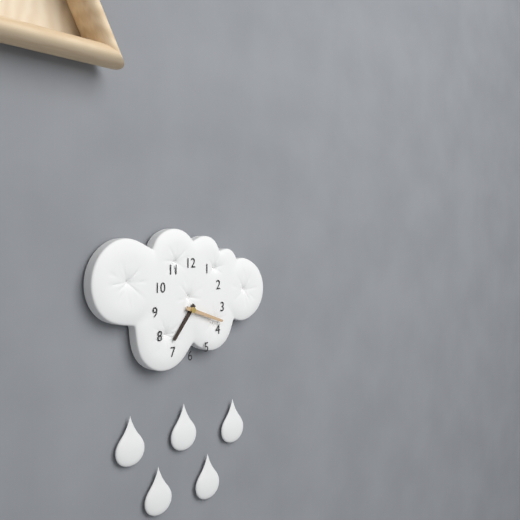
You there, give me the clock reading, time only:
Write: 7:18
